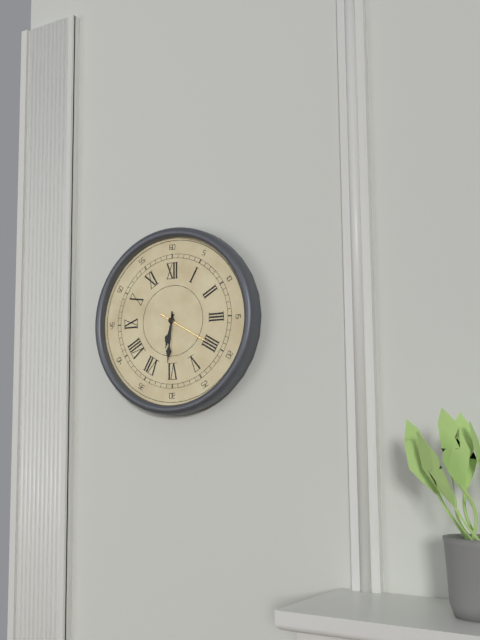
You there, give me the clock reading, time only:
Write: 6:31
